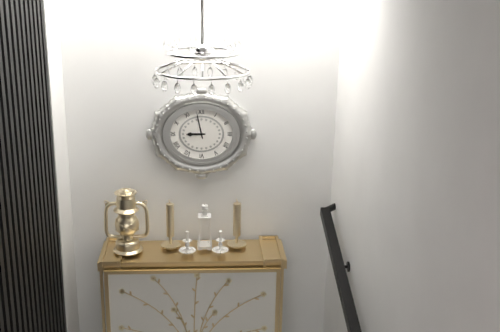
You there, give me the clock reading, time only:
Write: 8:58
